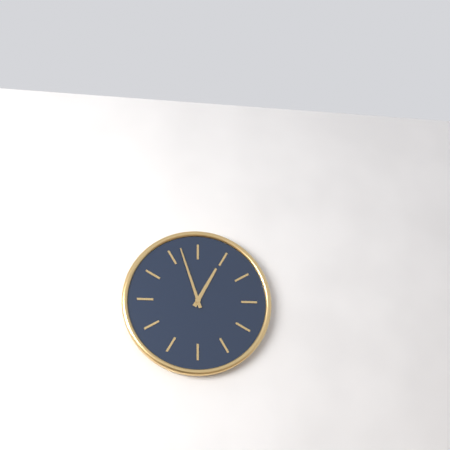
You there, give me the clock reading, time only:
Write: 12:57
